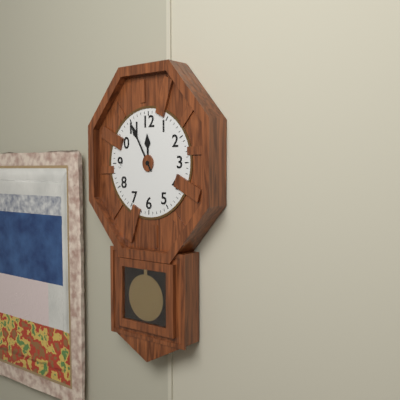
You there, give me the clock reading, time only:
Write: 11:55
